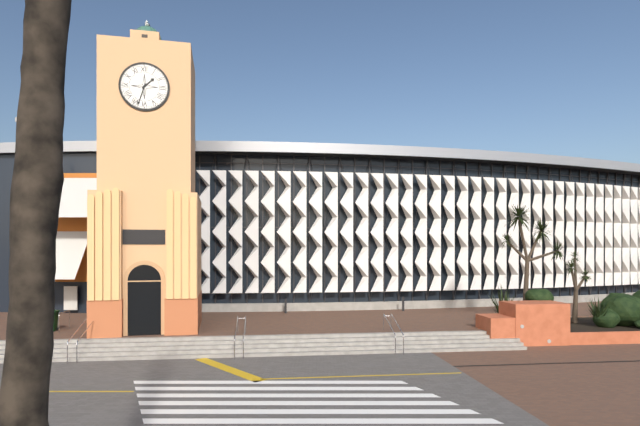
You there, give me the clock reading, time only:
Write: 1:33
